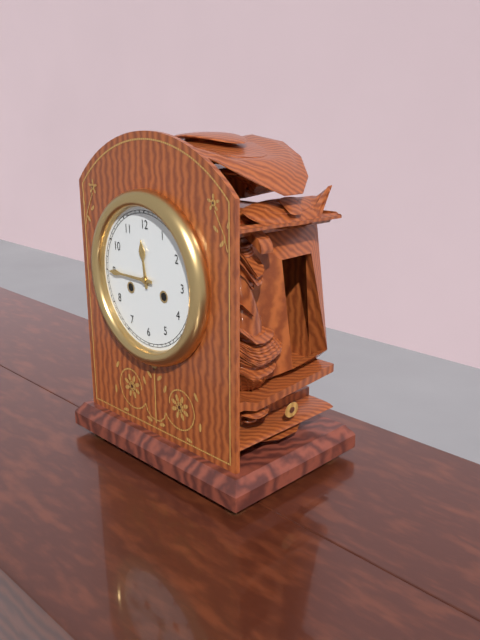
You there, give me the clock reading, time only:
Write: 11:45
